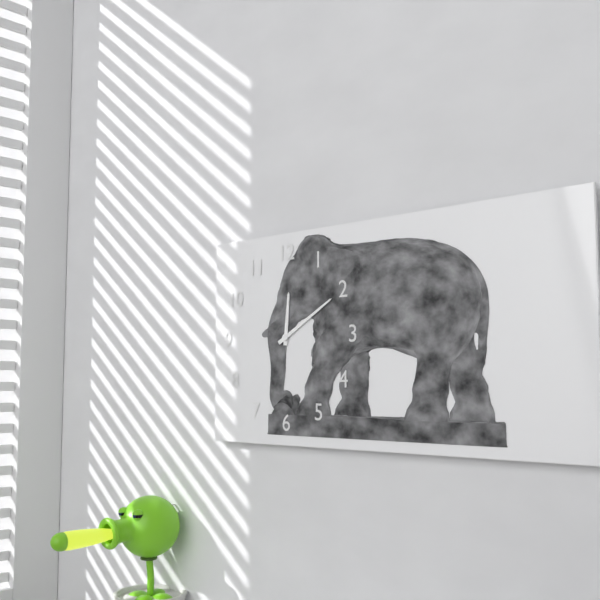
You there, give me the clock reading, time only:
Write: 12:10
